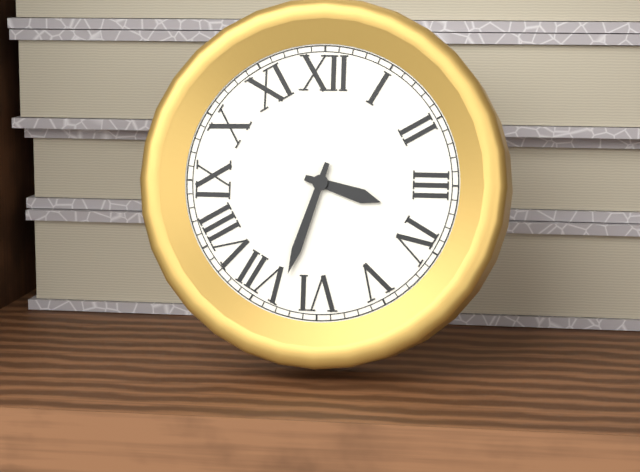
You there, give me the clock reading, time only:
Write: 3:33
